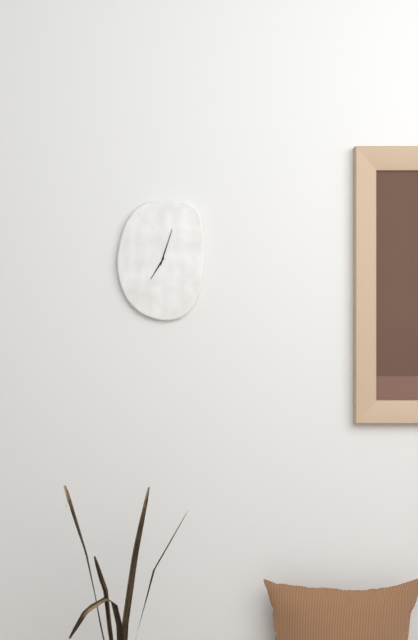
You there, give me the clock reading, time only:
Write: 7:03
